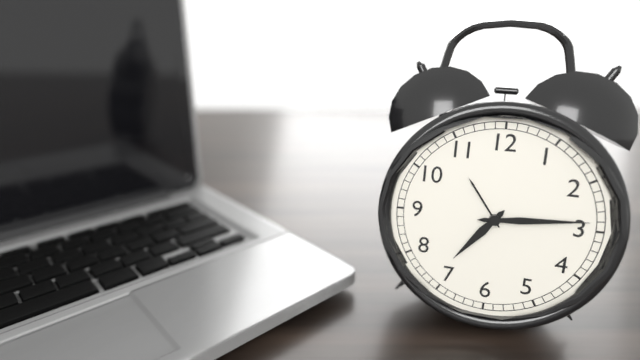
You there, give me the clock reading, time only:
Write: 7:14
